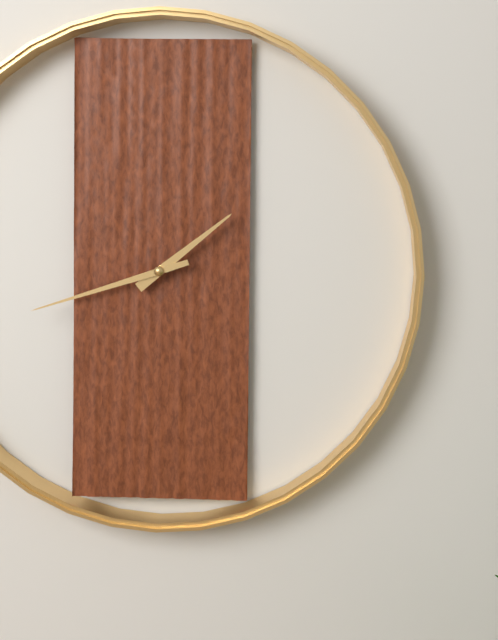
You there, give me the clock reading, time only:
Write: 1:42
